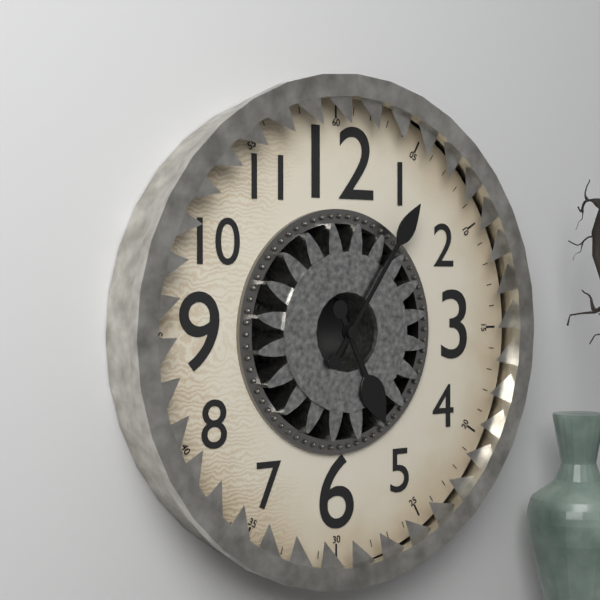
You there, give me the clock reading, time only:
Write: 5:06
